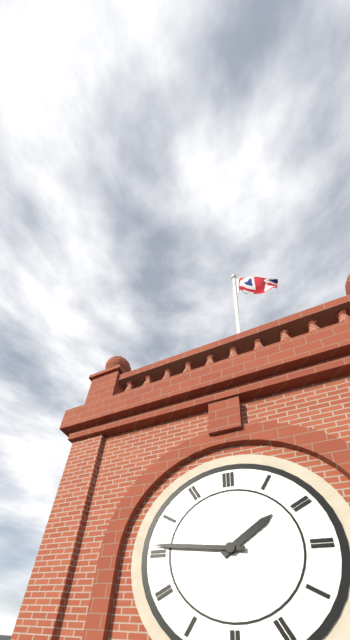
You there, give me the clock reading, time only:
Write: 1:46
